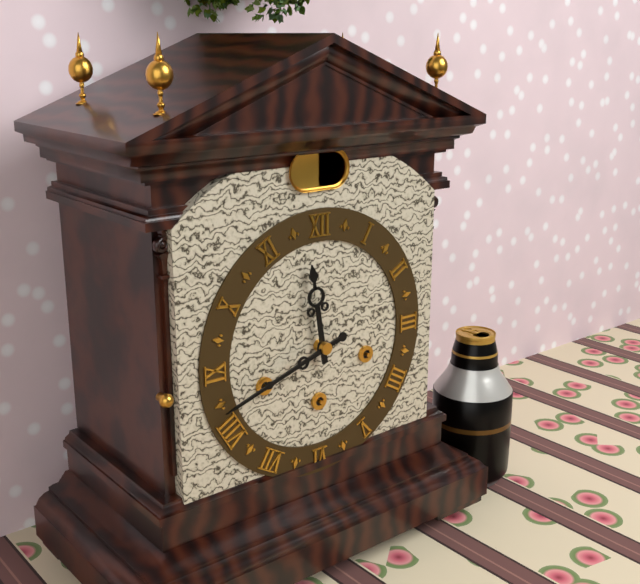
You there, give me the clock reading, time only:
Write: 11:42
